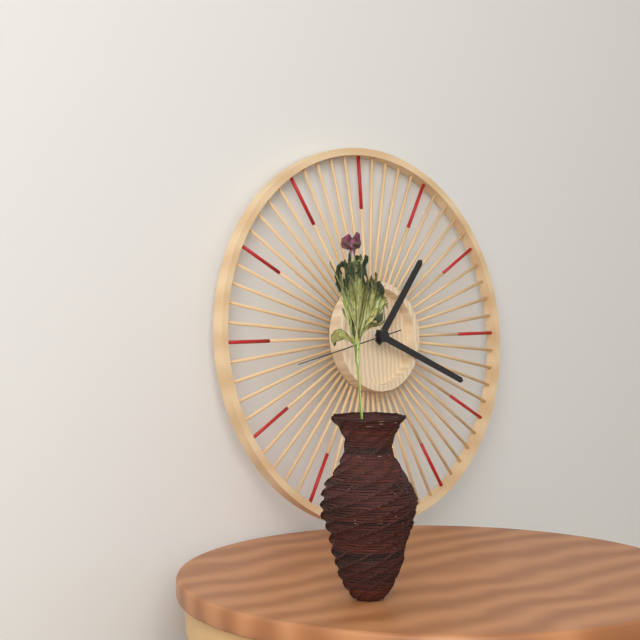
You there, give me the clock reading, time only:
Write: 1:19:43
